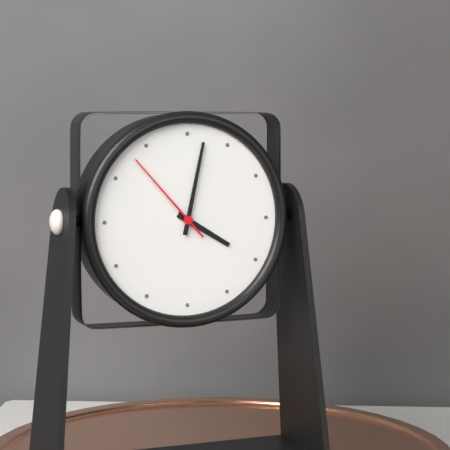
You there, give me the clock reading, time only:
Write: 4:02:53
